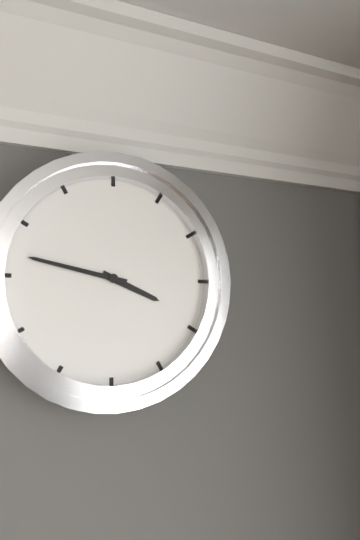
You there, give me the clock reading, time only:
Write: 3:47
